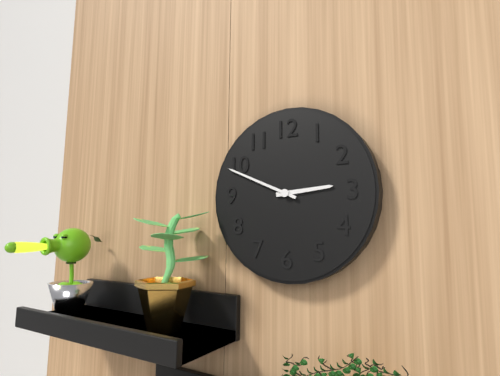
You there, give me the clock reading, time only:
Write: 2:49
